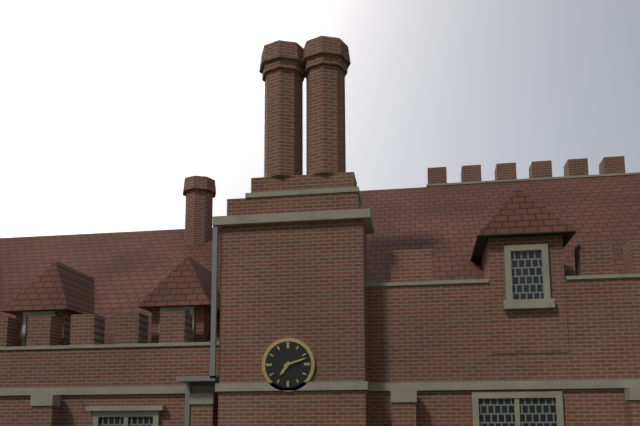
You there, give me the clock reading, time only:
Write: 7:12
